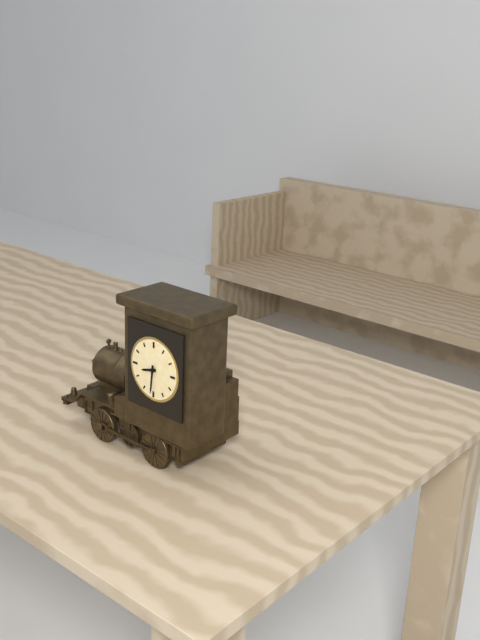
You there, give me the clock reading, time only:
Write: 8:31
